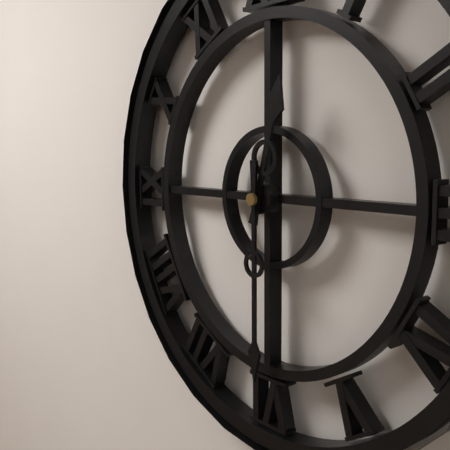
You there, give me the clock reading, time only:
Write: 12:30
